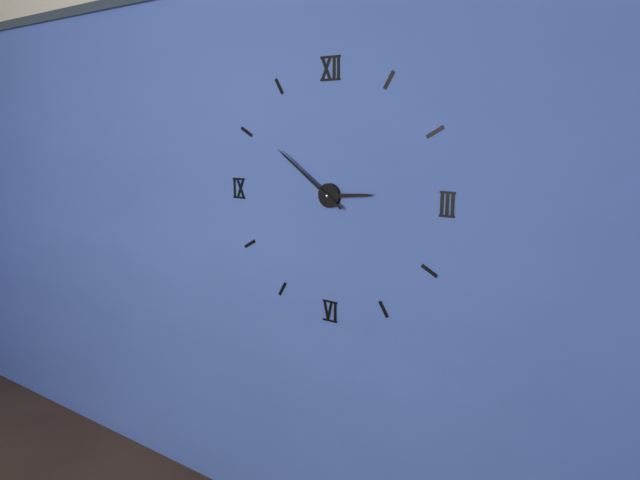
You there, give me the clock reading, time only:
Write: 2:51
